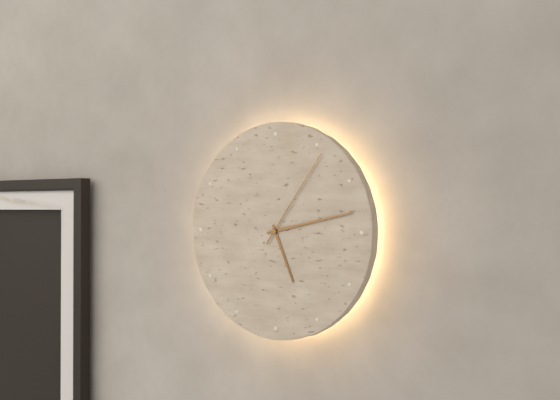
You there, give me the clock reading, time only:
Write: 5:13:06
